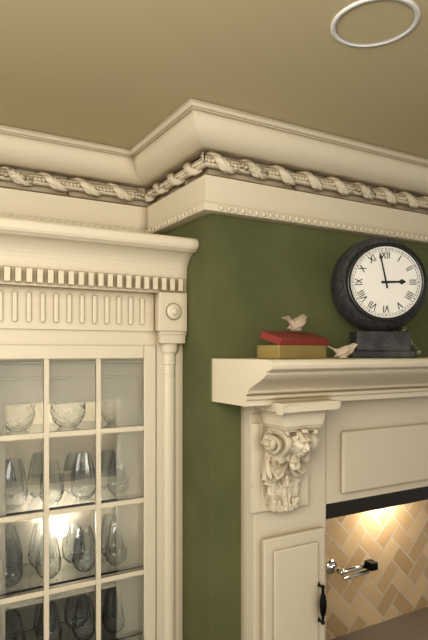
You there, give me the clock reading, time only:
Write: 2:58
